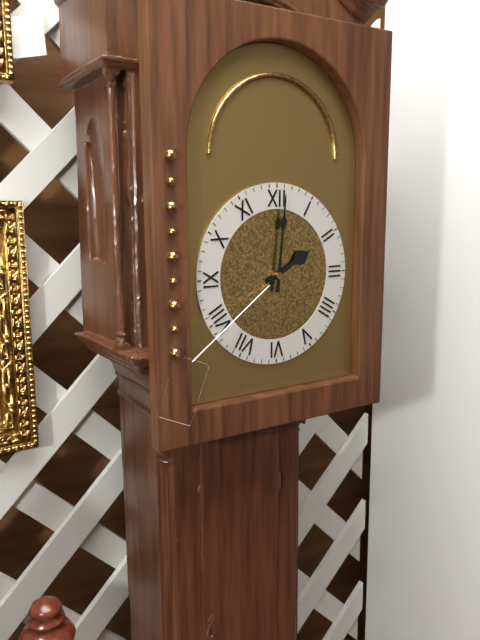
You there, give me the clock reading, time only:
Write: 2:01
